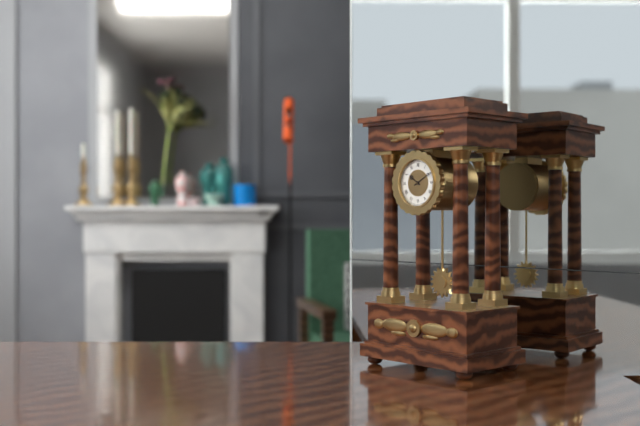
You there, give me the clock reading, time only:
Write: 10:10
